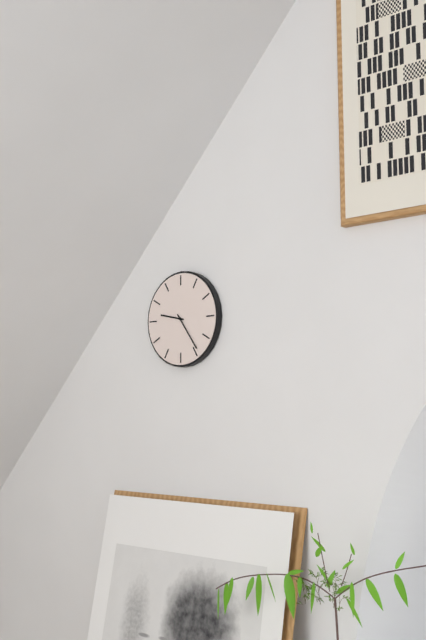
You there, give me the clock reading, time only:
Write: 9:24
